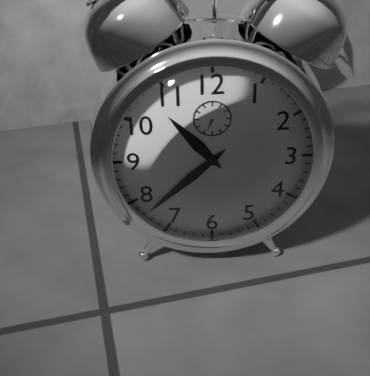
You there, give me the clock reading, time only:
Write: 10:38
